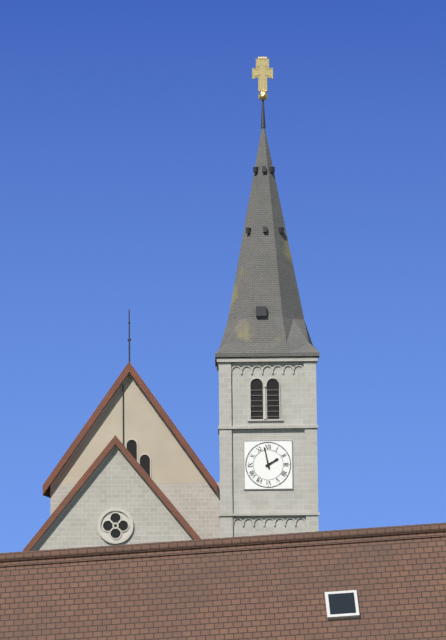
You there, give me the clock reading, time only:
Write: 1:58
